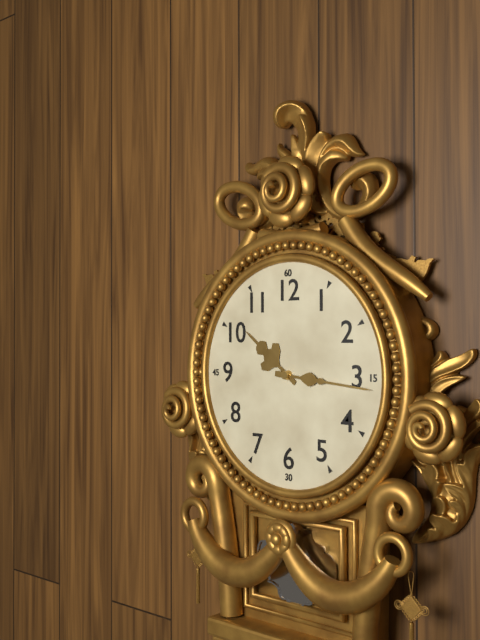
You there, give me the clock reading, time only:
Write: 10:16
